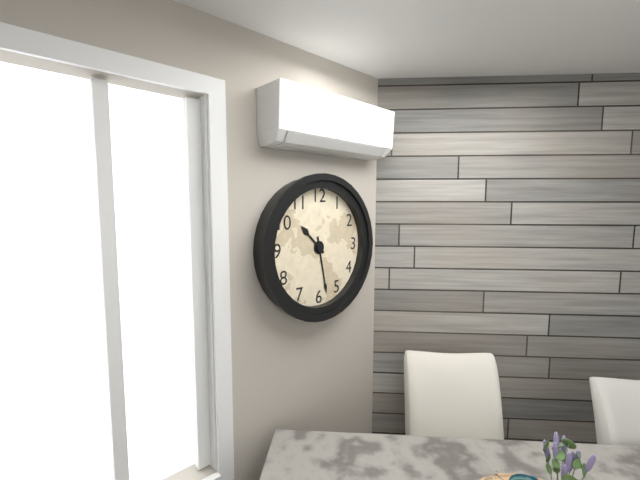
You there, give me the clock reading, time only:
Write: 10:28
